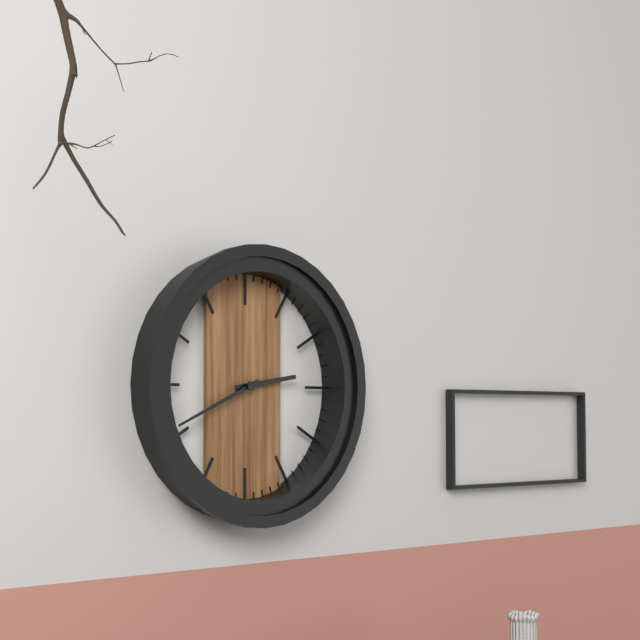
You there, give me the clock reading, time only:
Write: 2:41
